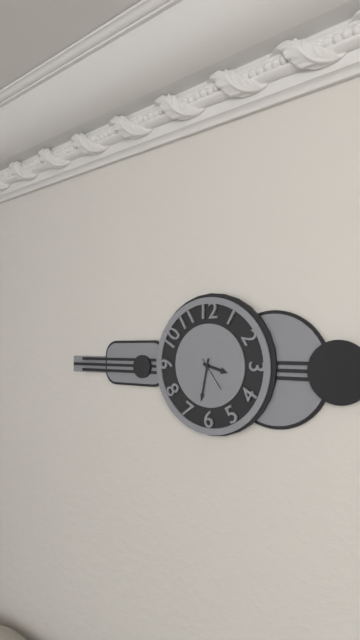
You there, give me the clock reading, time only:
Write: 3:32
